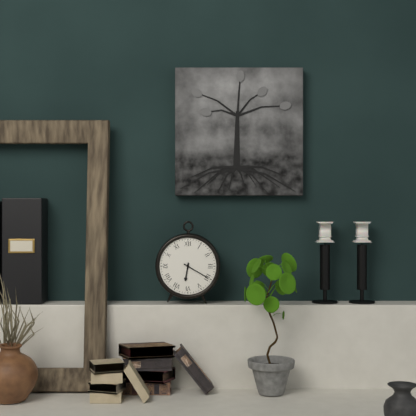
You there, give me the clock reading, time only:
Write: 6:20
